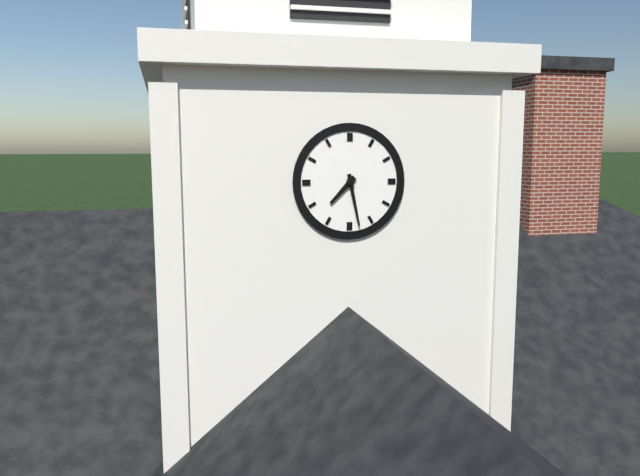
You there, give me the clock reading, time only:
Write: 7:28
